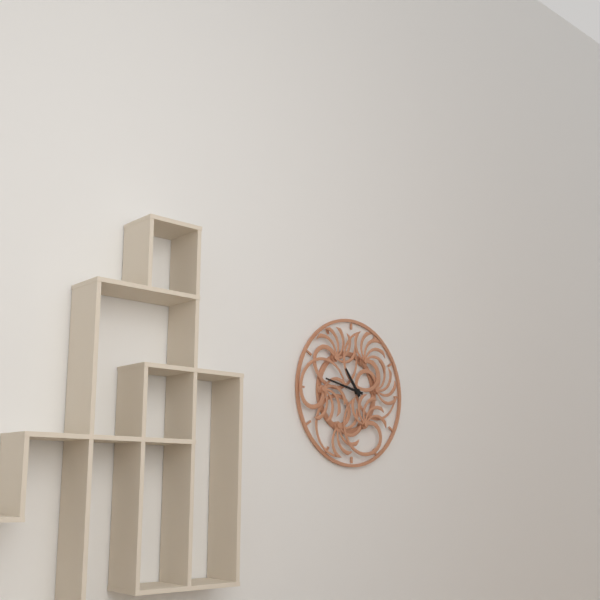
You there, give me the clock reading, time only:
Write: 10:47
